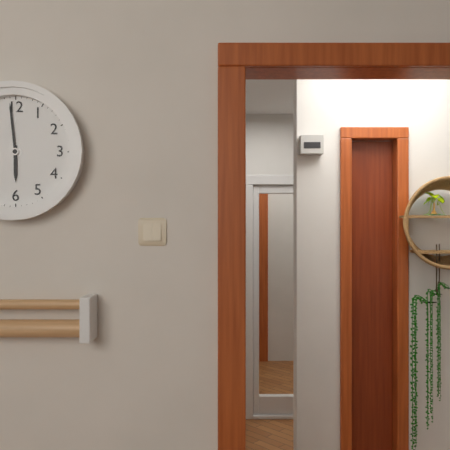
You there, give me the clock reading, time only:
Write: 5:59
